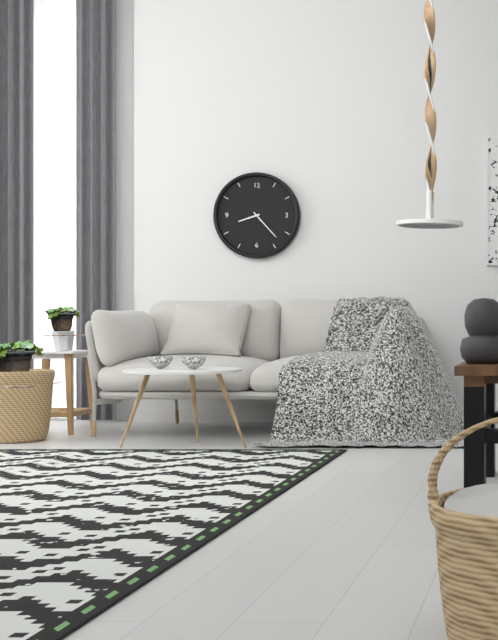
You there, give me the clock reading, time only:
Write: 8:23
